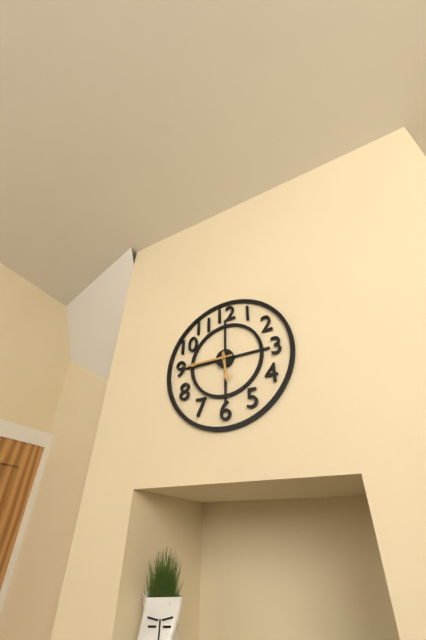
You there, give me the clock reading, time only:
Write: 5:45
